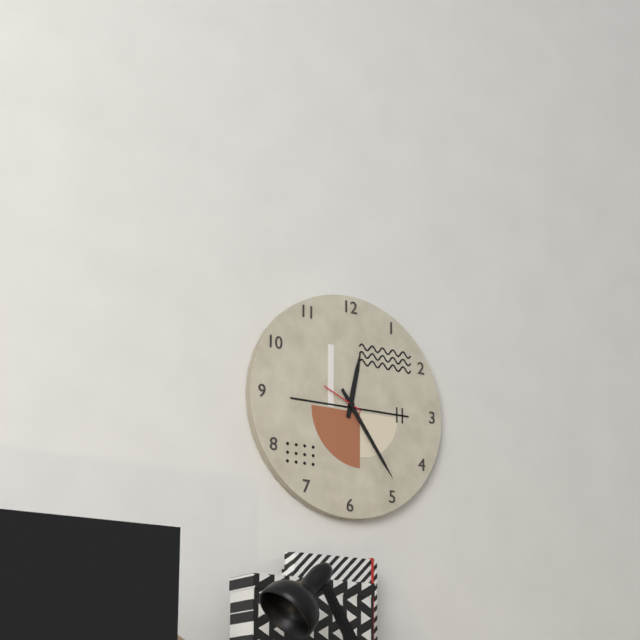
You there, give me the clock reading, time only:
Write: 12:24
